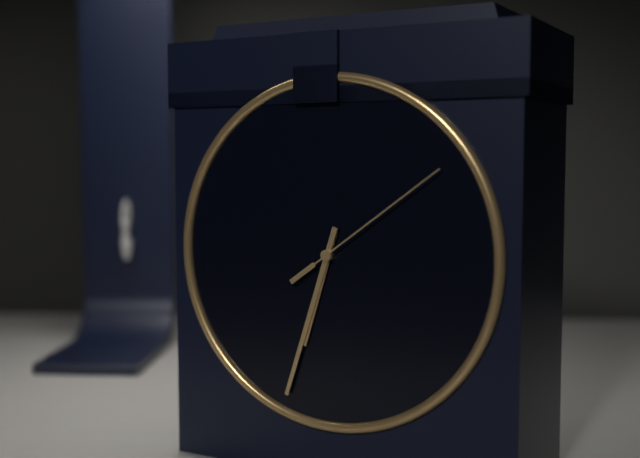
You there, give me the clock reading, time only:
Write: 6:33:09
